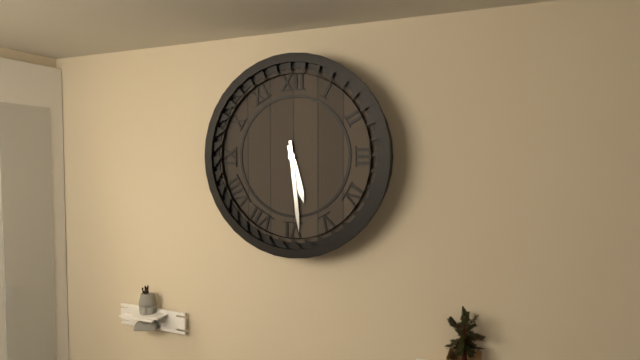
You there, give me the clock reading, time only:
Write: 5:29
